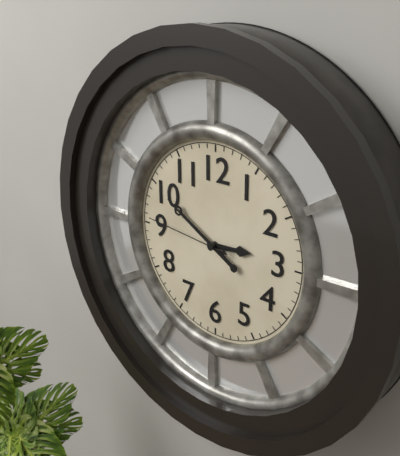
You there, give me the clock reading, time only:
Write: 2:50:46
